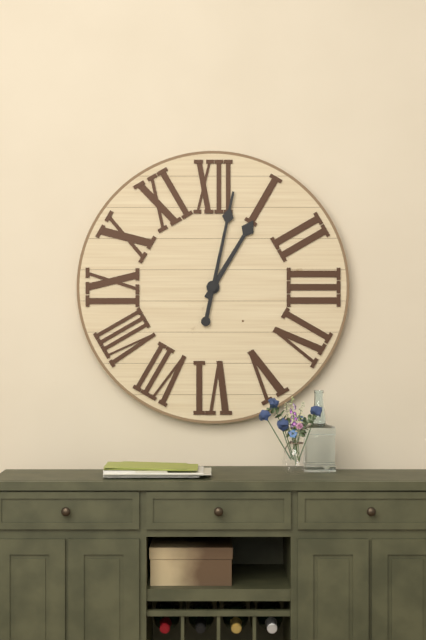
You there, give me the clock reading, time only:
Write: 1:02
